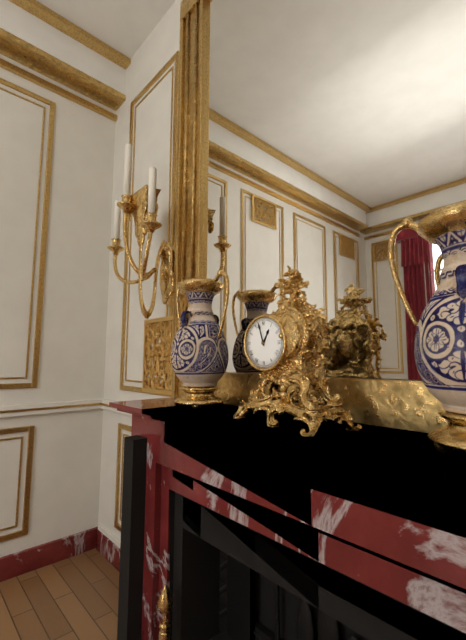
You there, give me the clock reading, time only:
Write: 12:57
